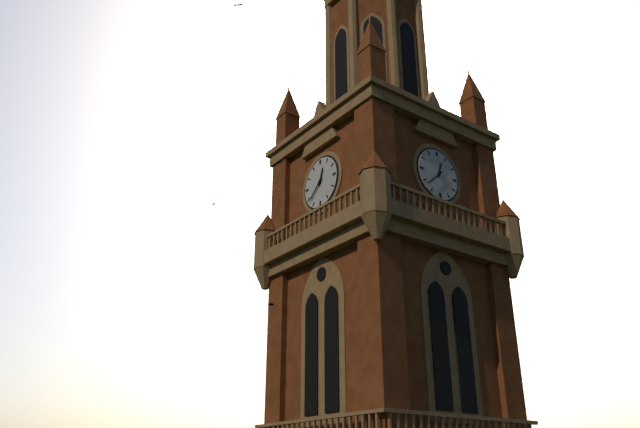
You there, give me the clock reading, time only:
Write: 12:38
